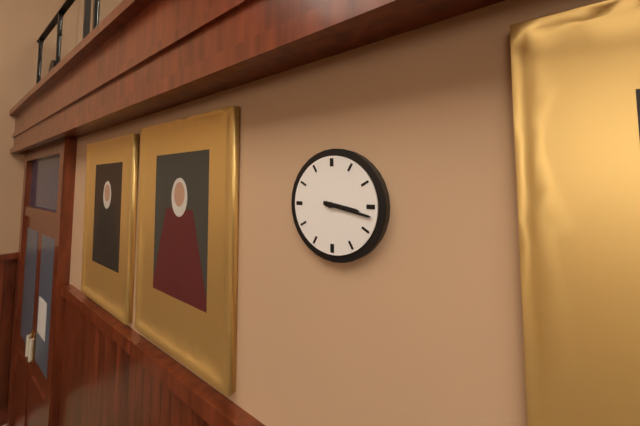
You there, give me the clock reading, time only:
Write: 3:17
